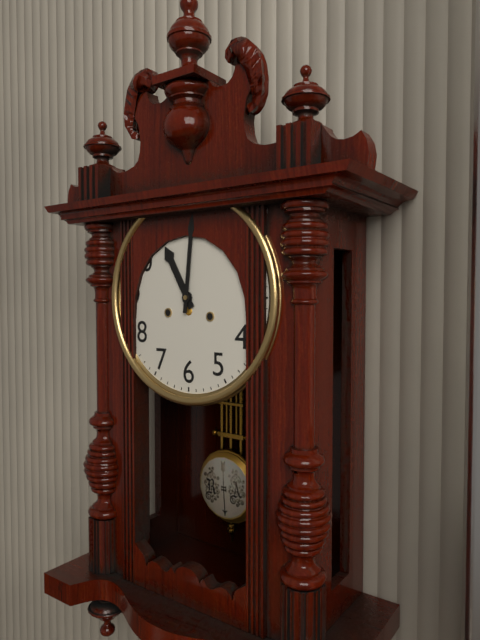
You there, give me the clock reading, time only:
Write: 11:01
